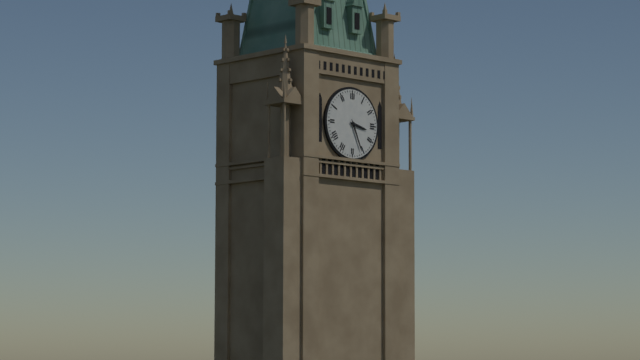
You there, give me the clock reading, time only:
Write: 3:26
